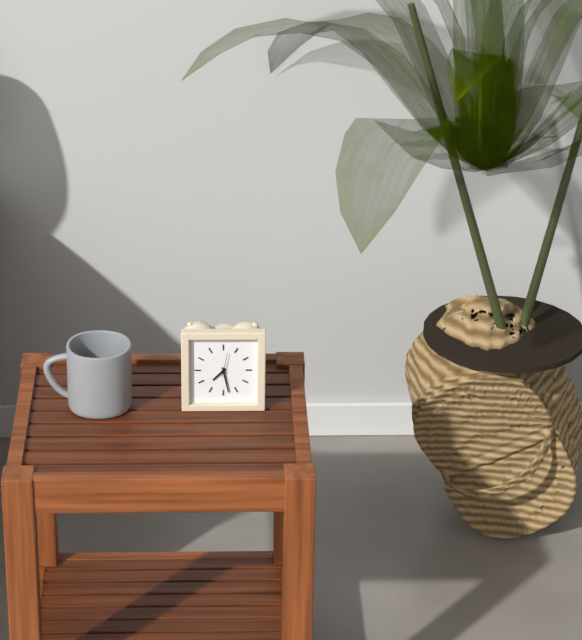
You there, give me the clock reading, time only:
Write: 7:28
